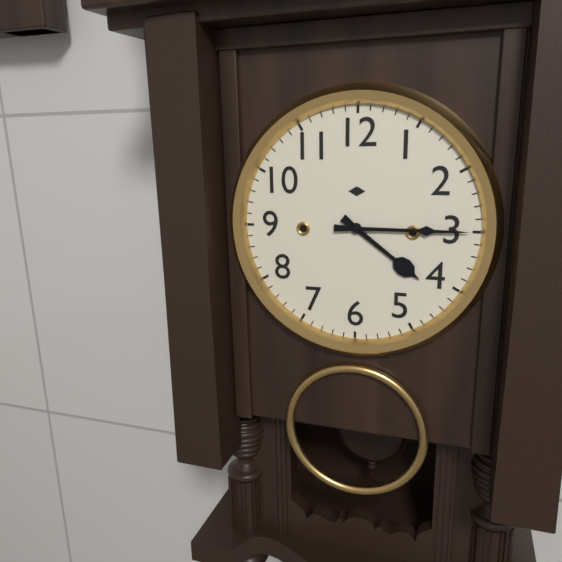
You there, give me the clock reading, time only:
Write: 4:15
